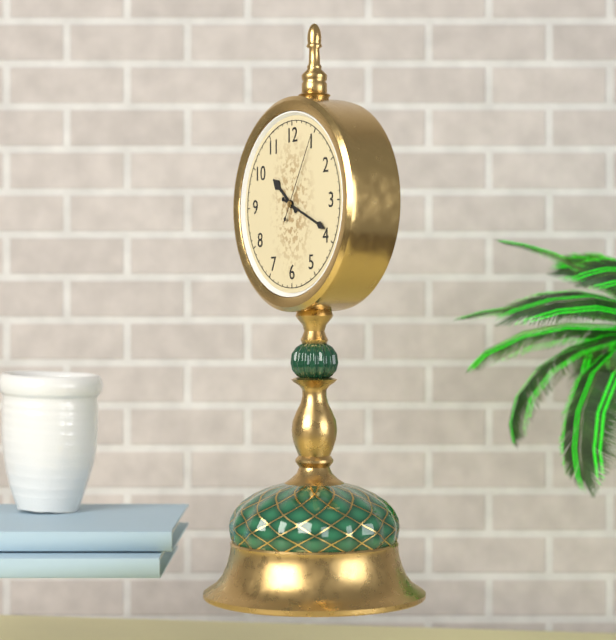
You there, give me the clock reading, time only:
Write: 10:19:05
